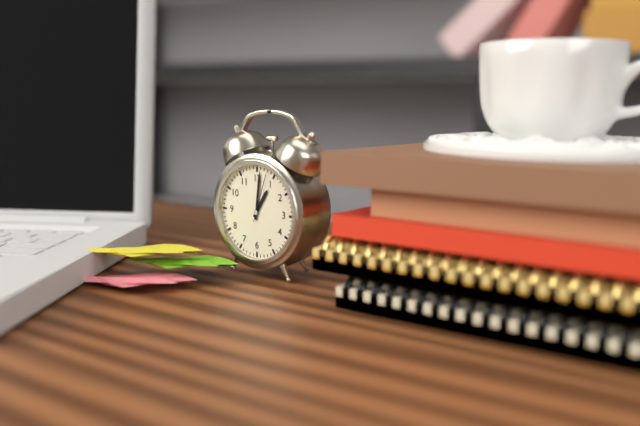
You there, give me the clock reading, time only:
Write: 1:01:03
